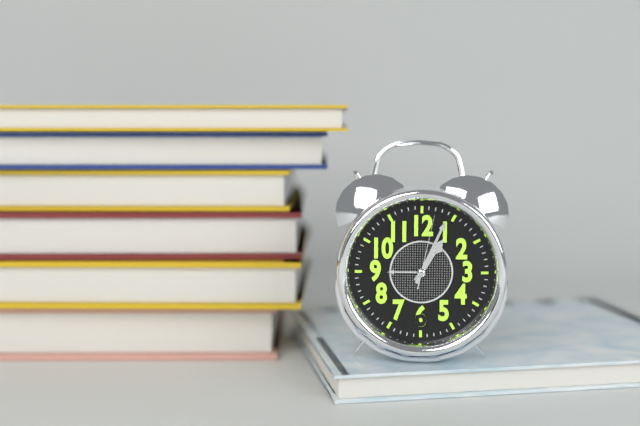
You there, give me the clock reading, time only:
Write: 1:04:02
